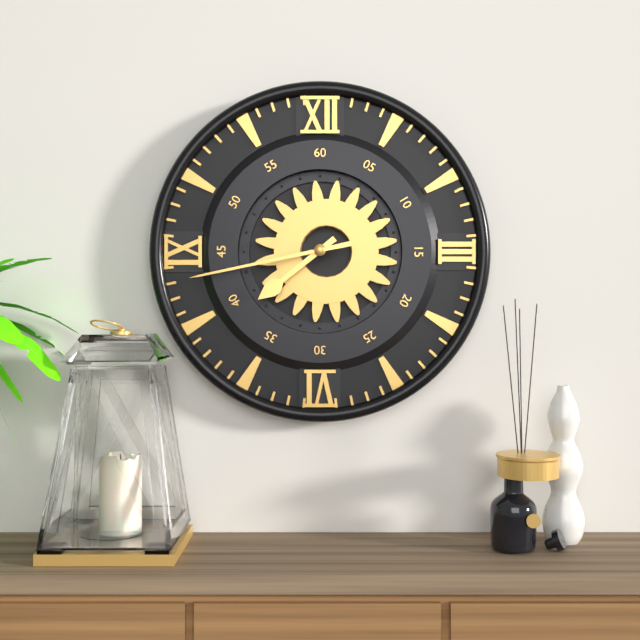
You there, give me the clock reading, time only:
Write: 7:43
